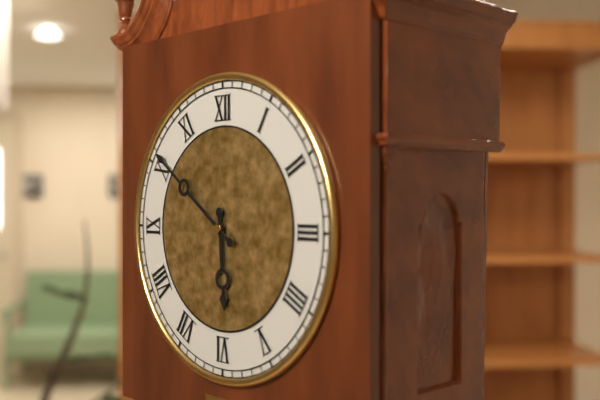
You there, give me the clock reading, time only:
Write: 5:51
